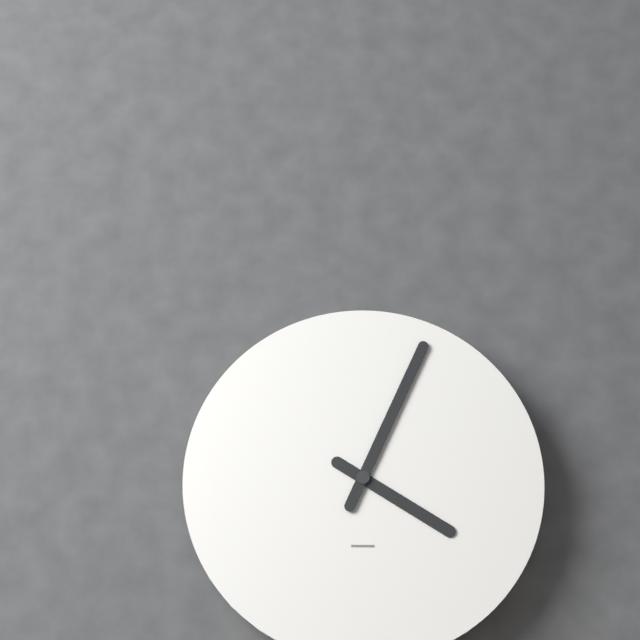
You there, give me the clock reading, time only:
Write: 4:04
